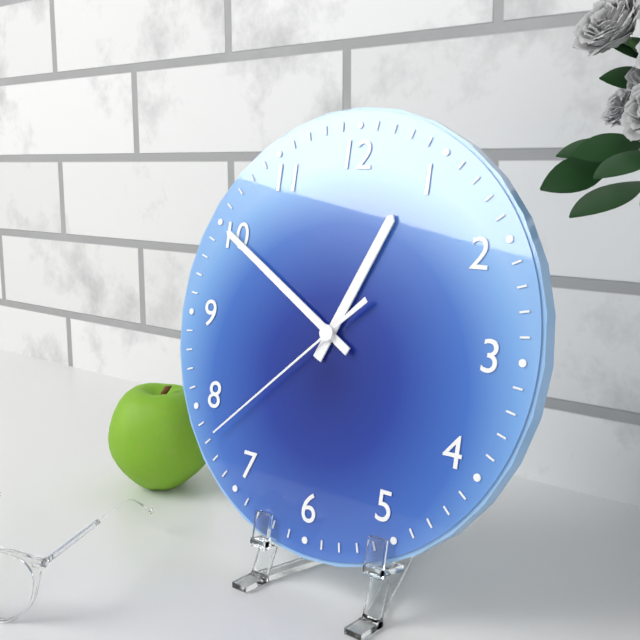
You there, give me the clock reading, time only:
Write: 12:50:38
